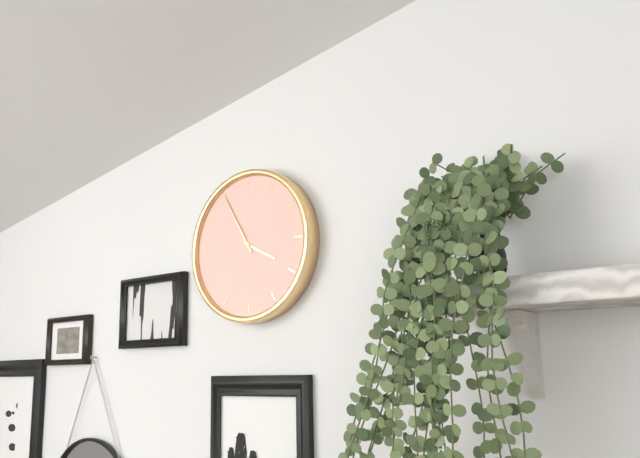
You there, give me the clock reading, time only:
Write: 3:55
